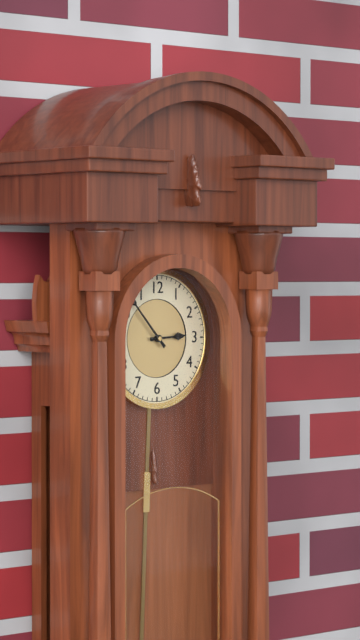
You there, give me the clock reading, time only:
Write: 2:53
